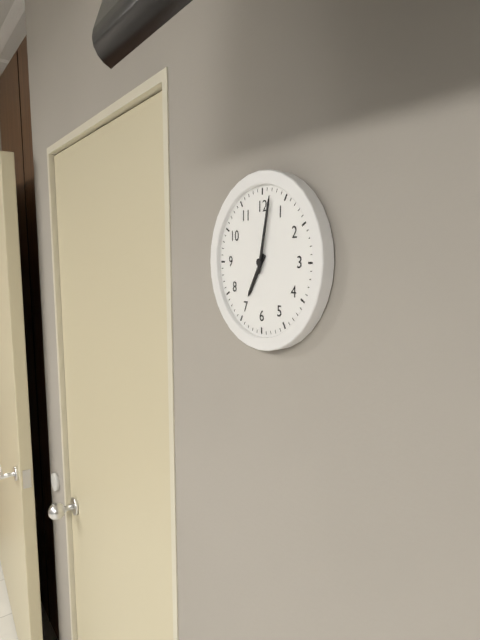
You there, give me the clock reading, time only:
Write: 7:02
